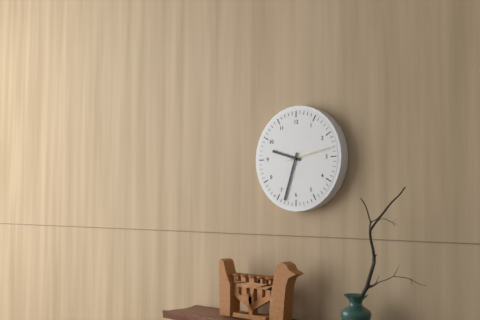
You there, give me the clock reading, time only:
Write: 9:33
